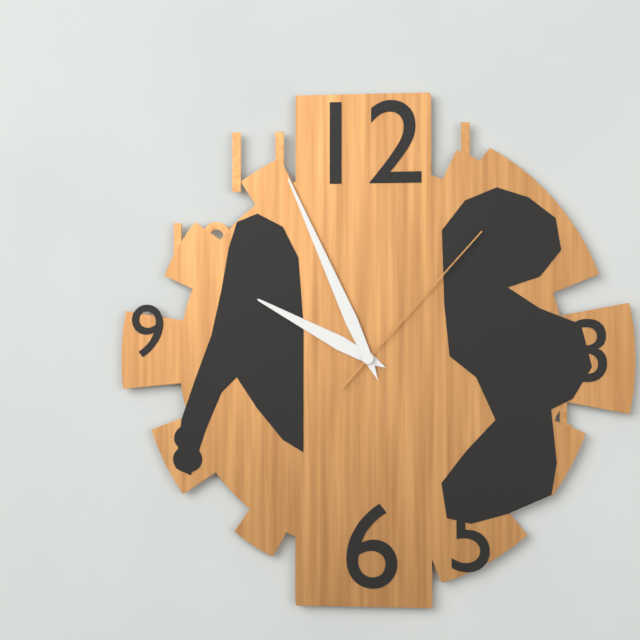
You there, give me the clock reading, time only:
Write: 9:56:07
